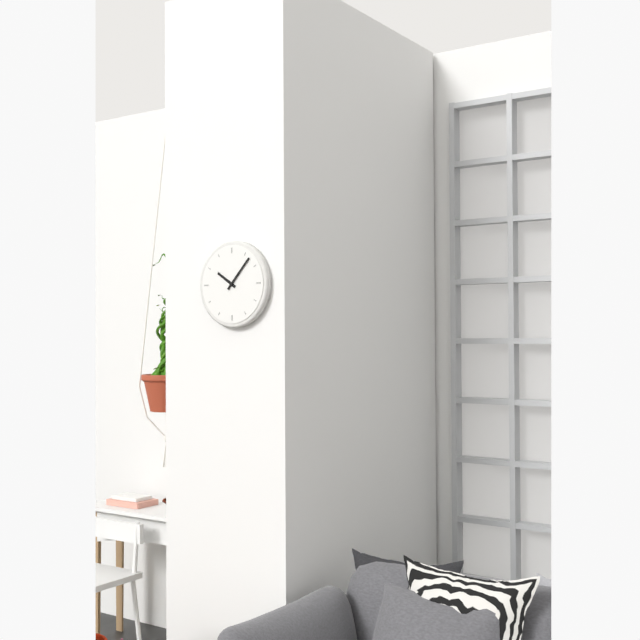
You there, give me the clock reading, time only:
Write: 10:07
